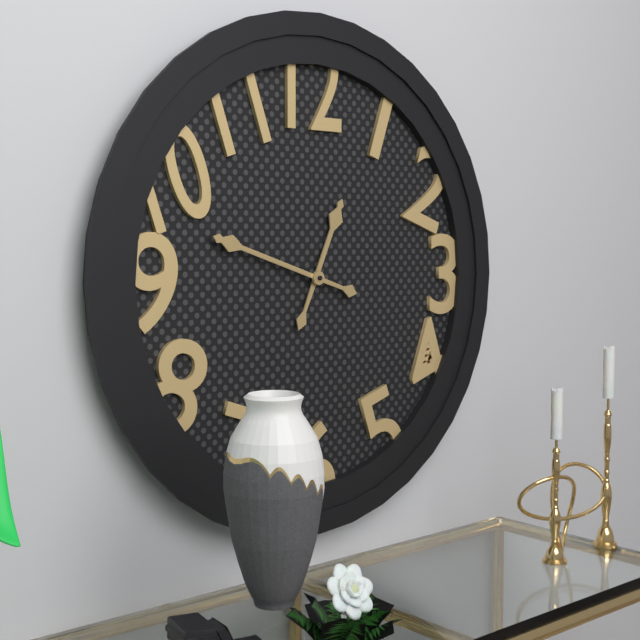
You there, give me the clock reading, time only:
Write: 12:48
